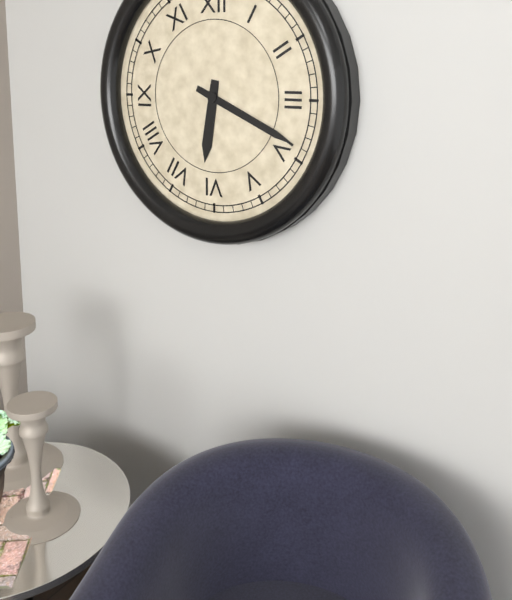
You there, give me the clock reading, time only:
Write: 6:19
